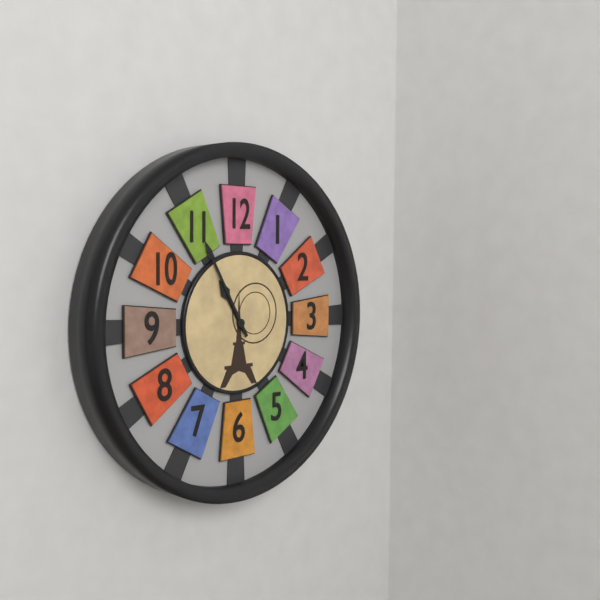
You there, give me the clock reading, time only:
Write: 10:55
